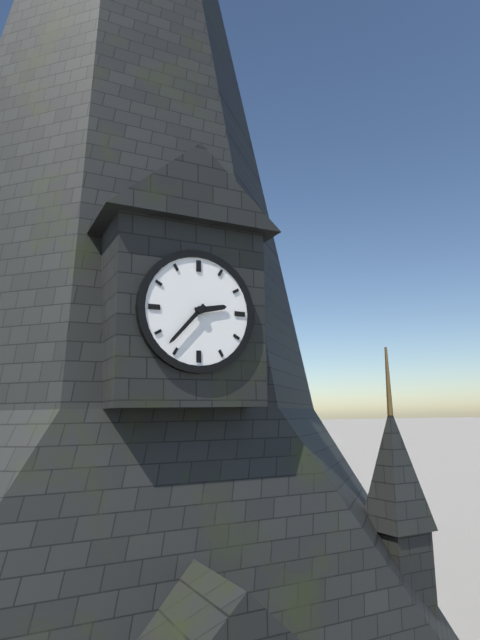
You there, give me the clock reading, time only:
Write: 2:37
